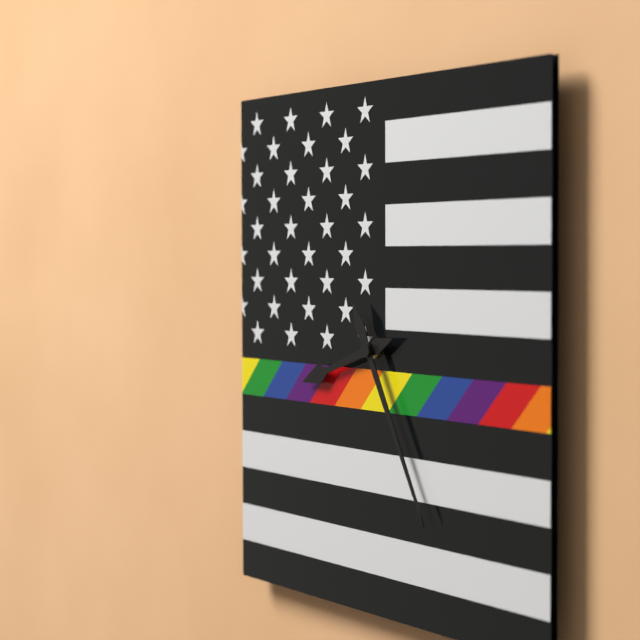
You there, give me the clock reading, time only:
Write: 8:25
